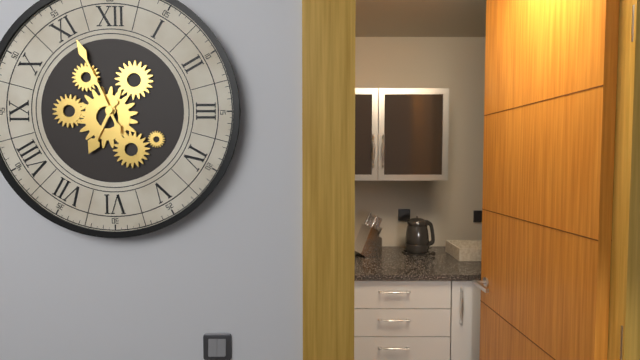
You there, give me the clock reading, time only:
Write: 6:56
